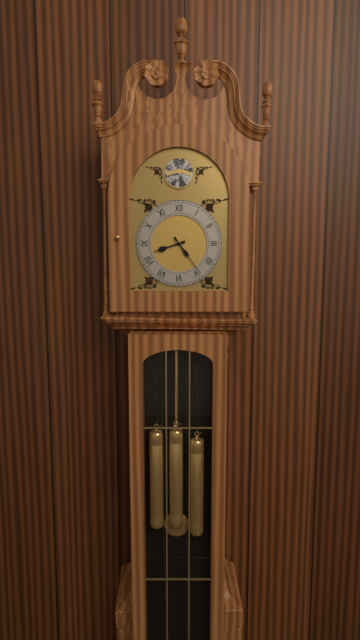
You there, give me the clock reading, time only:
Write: 8:24
